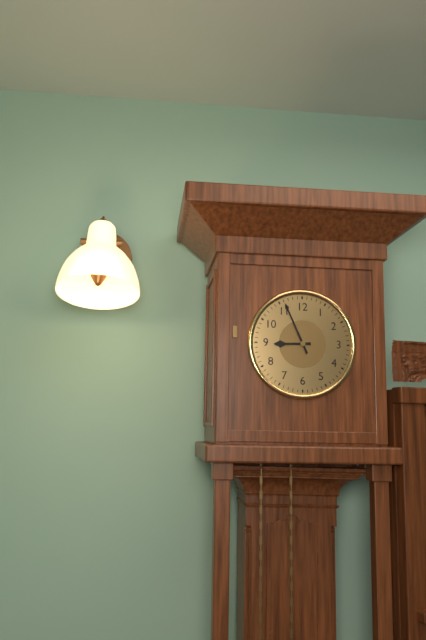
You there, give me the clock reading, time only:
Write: 8:56
